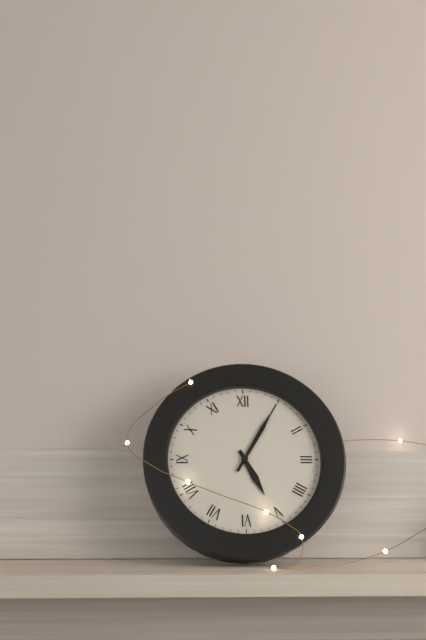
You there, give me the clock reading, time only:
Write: 5:05
